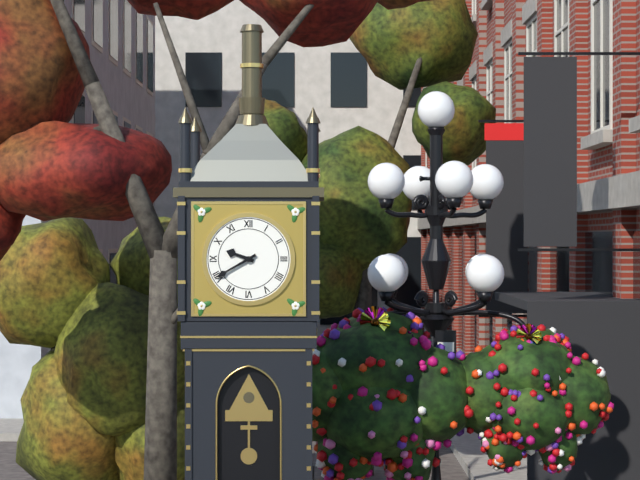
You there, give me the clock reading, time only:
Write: 9:40
